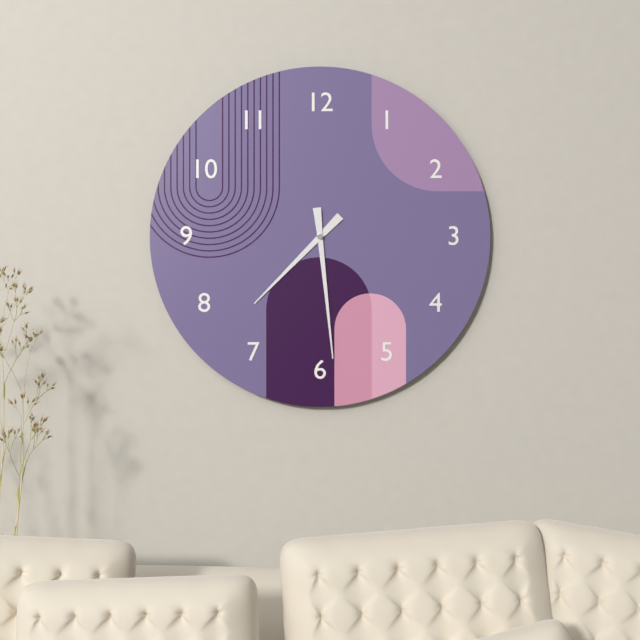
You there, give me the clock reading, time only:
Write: 7:29
